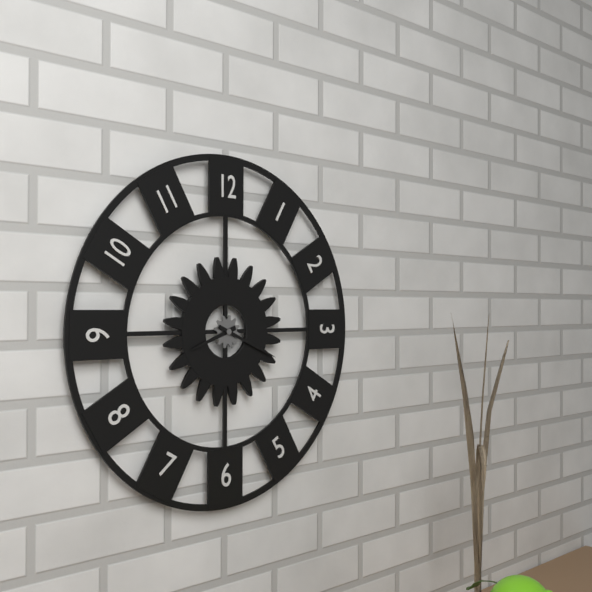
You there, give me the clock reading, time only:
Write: 8:19
